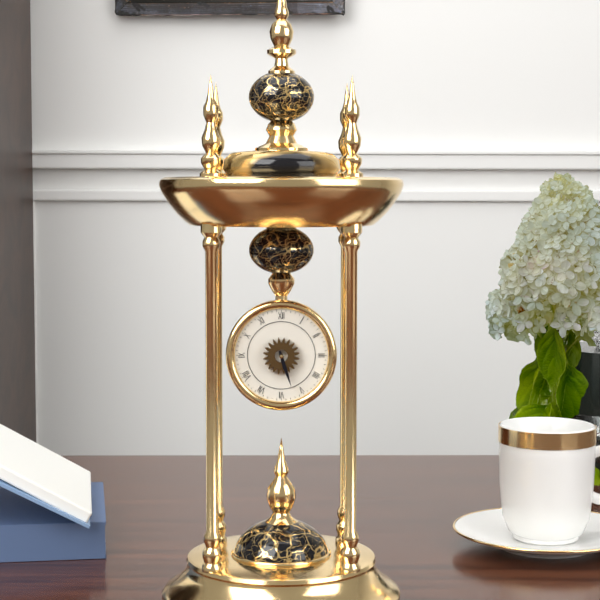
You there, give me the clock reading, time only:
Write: 5:27
